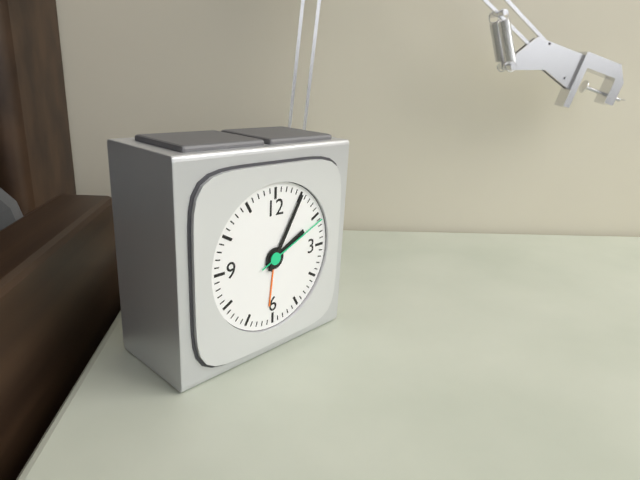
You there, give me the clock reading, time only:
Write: 2:05:11
